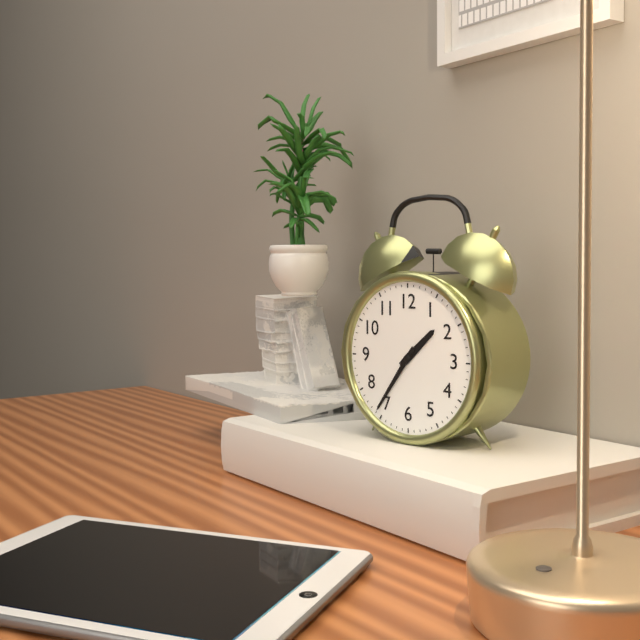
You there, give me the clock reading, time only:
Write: 1:36
